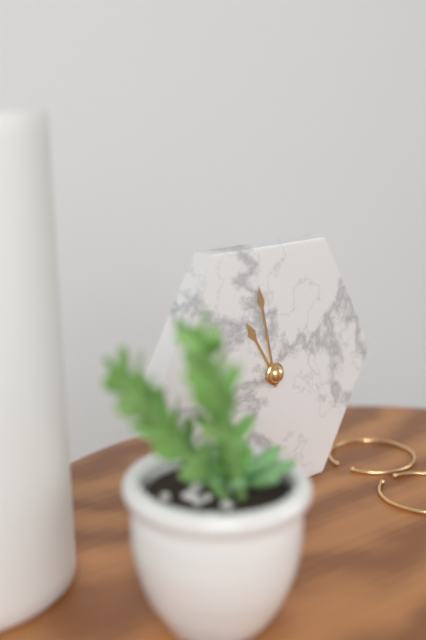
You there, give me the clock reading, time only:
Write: 10:58
